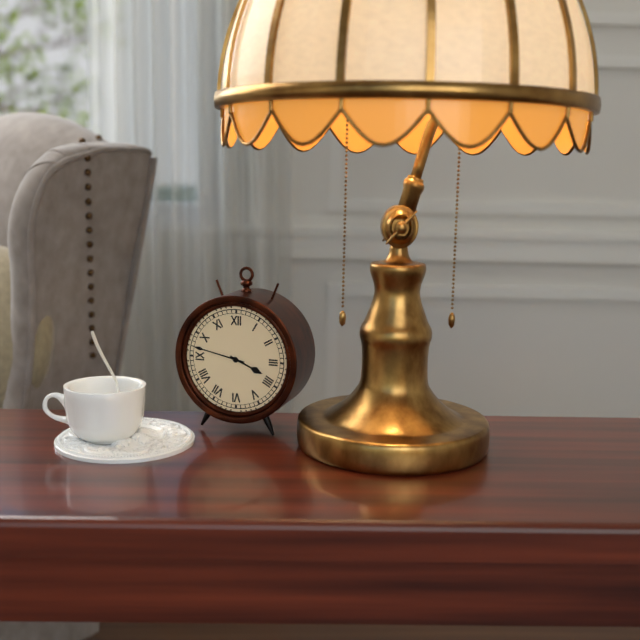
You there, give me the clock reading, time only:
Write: 3:47
